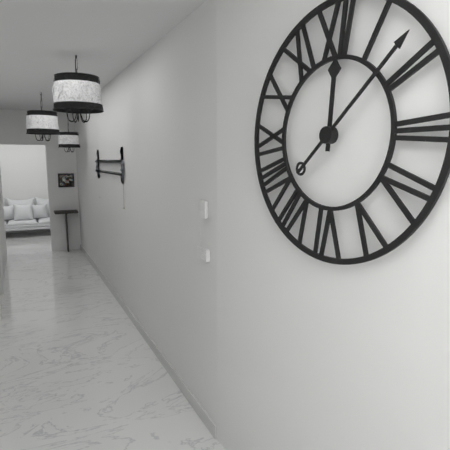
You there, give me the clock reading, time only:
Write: 12:08
